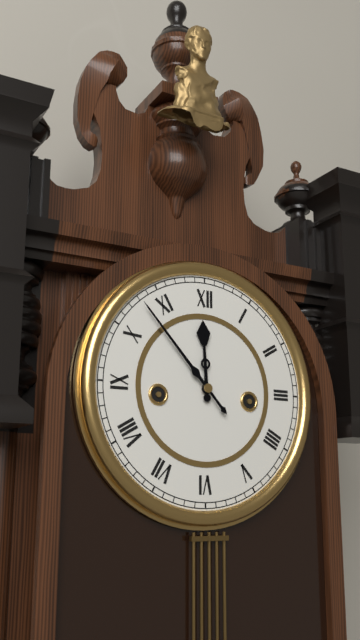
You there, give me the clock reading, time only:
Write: 11:53
